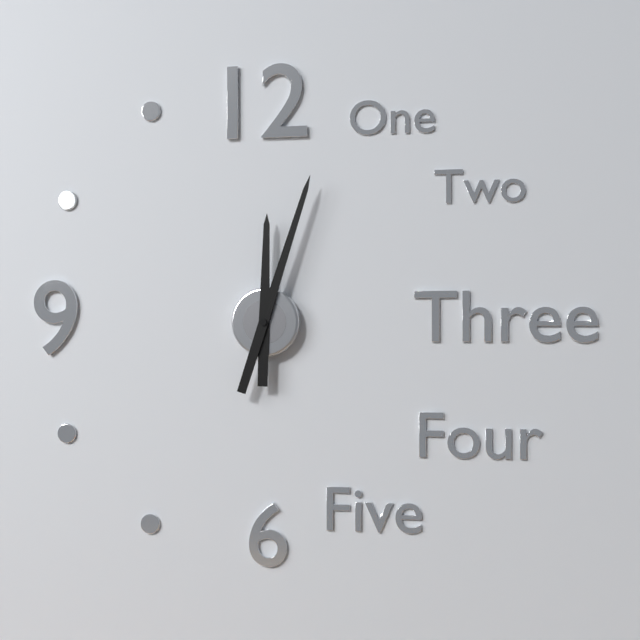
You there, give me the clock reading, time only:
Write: 12:03
